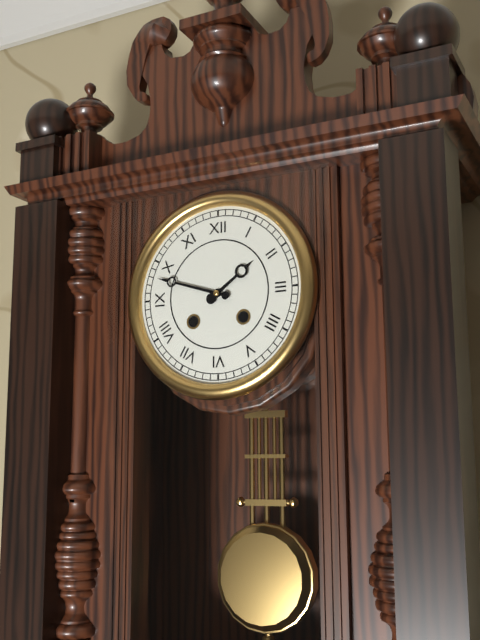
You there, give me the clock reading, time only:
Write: 1:48
